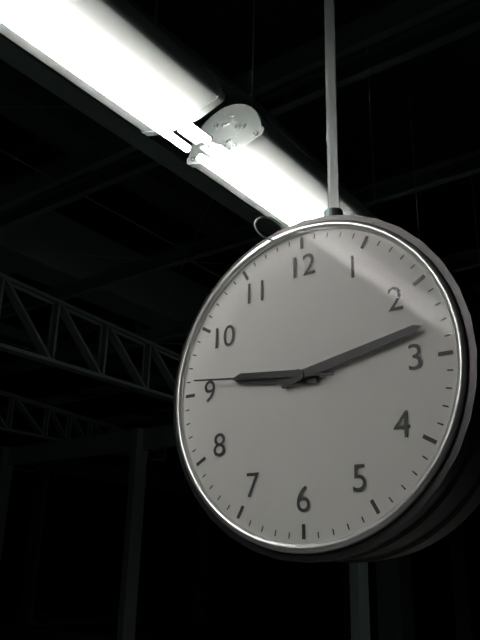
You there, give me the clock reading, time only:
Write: 9:13:46
